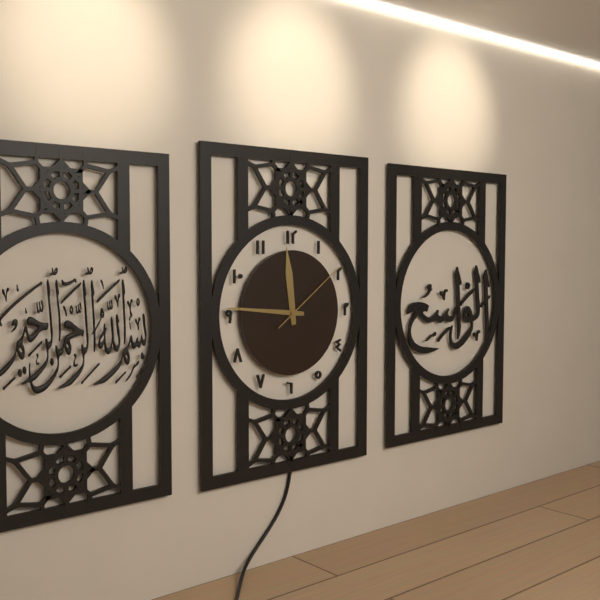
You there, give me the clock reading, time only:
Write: 11:46:09
